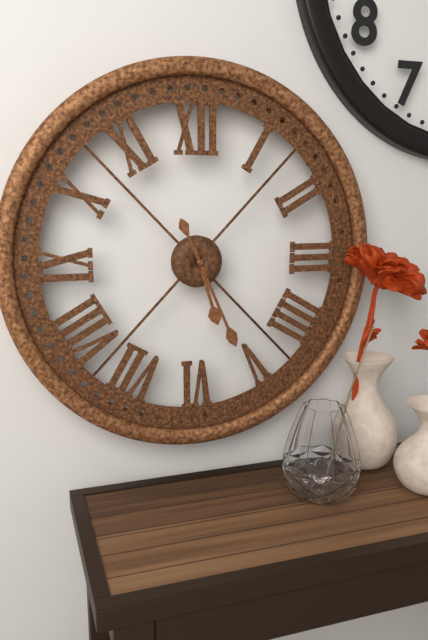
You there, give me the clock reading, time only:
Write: 5:26
